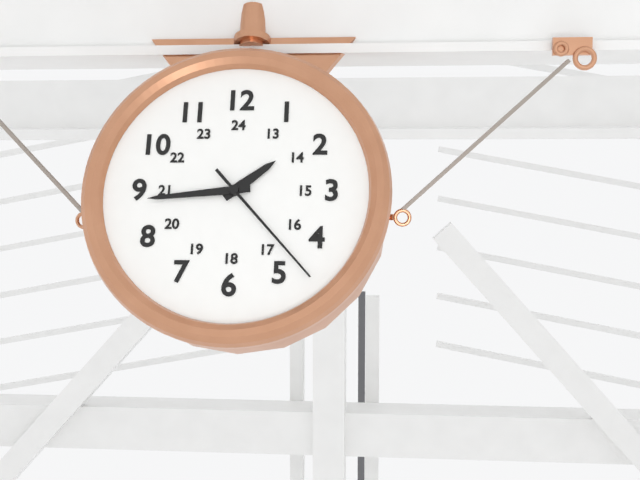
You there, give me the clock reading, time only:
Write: 1:44:23
